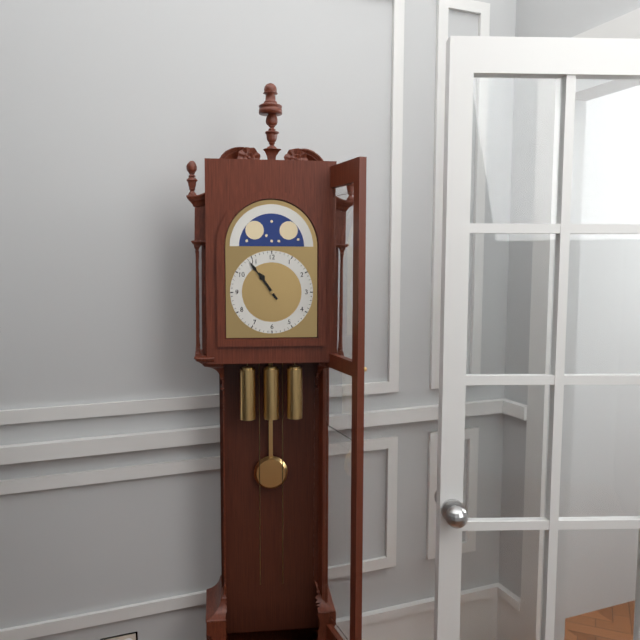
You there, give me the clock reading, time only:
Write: 10:54
